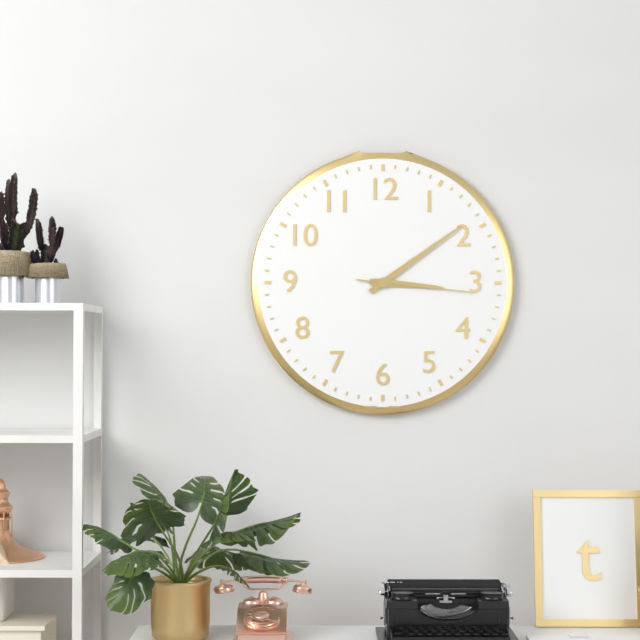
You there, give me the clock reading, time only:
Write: 3:09:16
